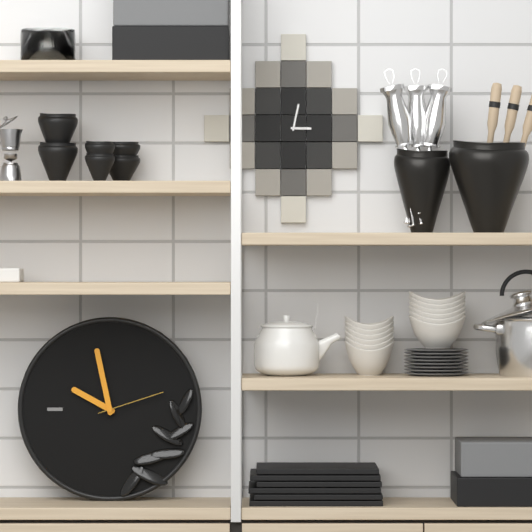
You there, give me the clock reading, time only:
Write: 9:58:12
